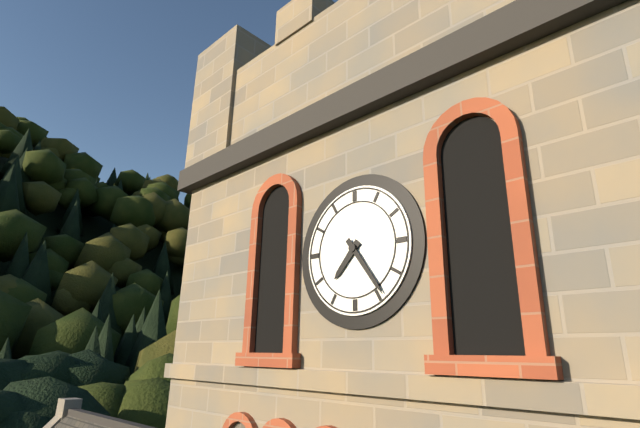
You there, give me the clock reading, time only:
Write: 7:24
